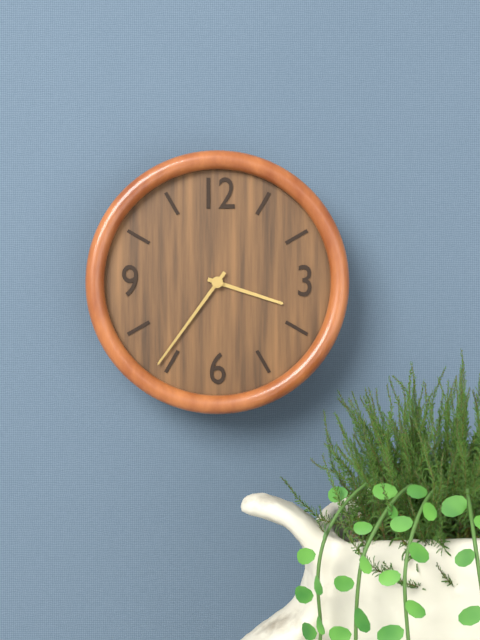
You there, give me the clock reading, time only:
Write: 3:36
